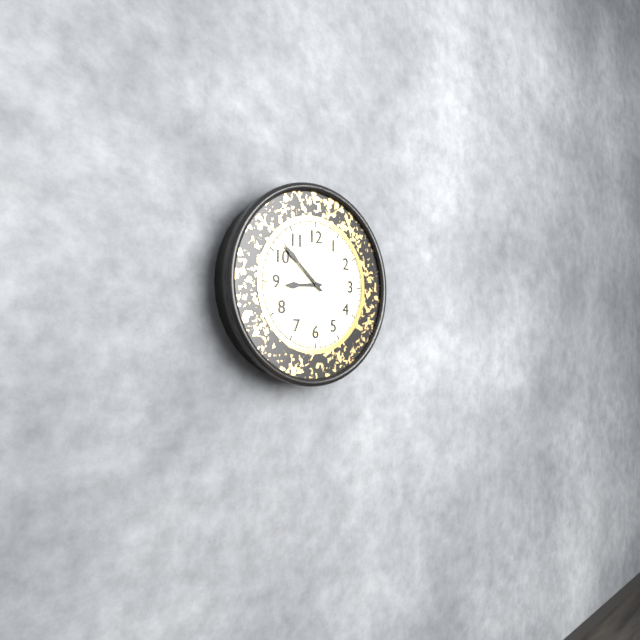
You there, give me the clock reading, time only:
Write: 8:52
